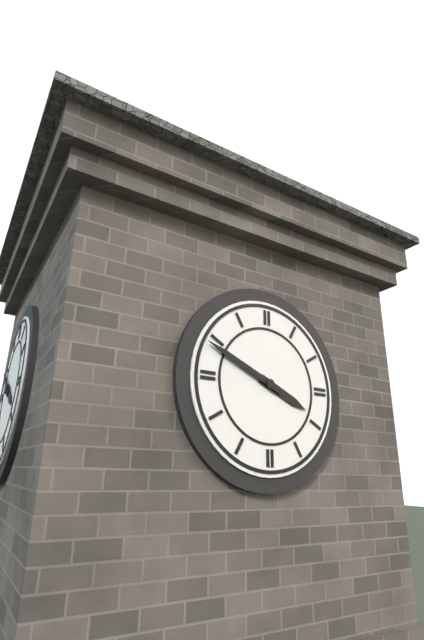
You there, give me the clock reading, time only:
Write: 3:49
